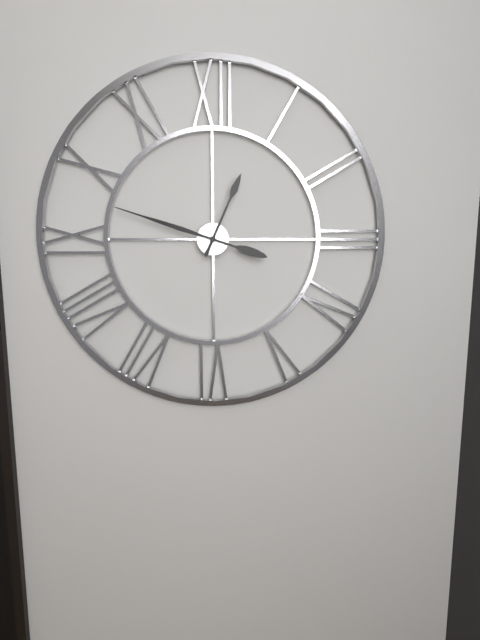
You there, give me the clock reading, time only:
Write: 12:48
